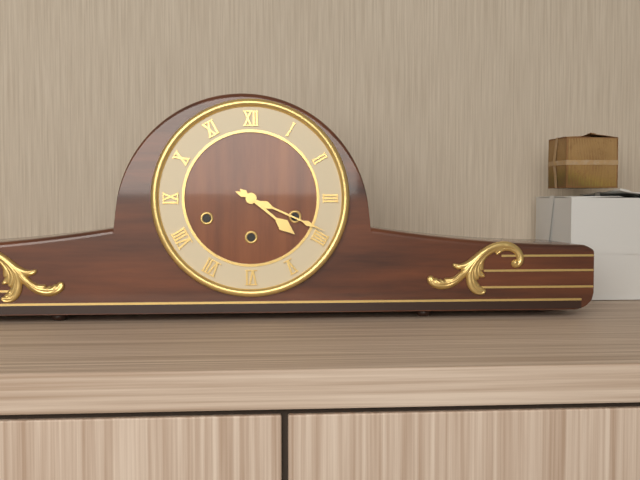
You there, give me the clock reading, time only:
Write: 4:19
